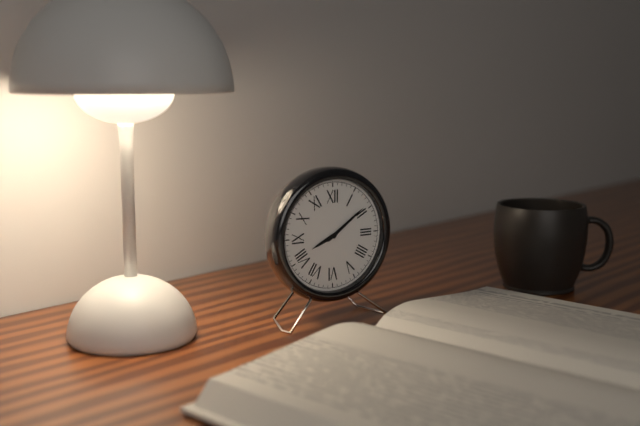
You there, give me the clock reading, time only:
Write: 8:09
